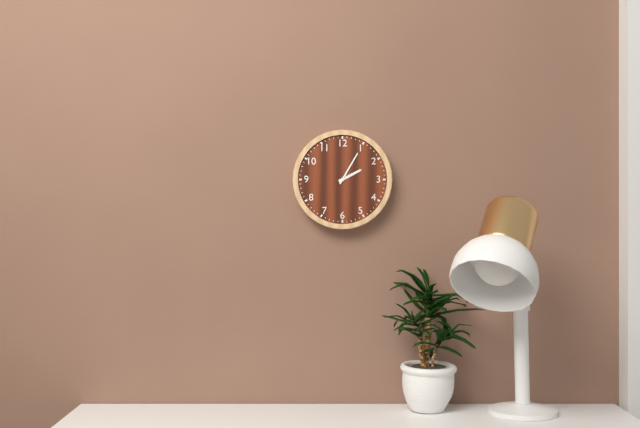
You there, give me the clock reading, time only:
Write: 2:05
